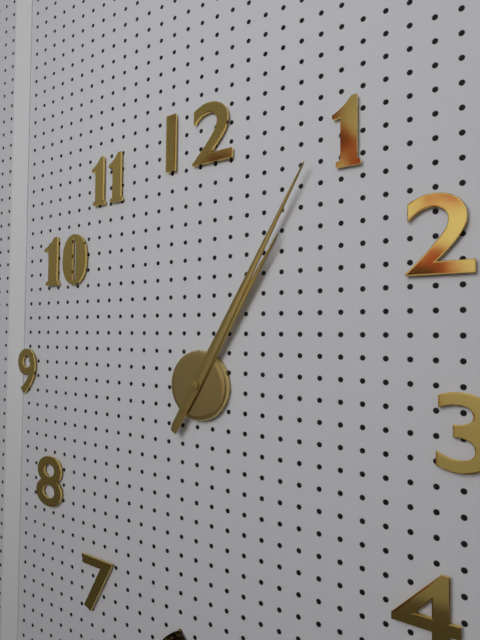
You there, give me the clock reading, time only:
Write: 1:05
